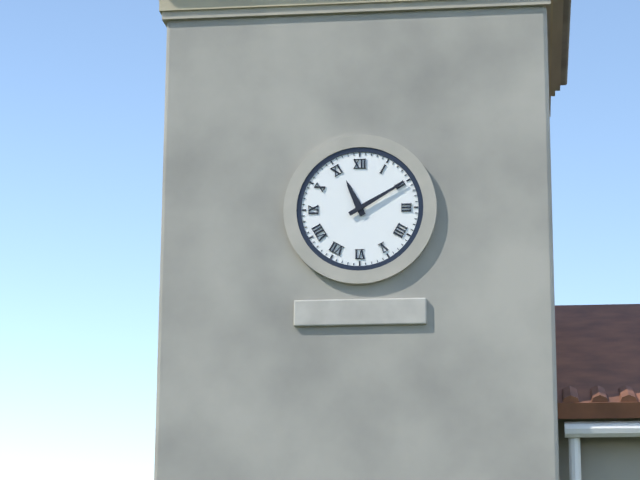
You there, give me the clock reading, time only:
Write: 11:10
